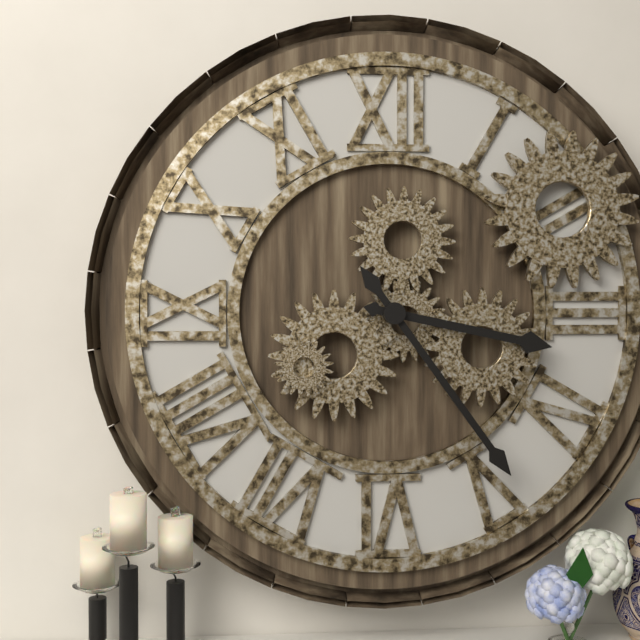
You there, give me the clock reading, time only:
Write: 3:24
